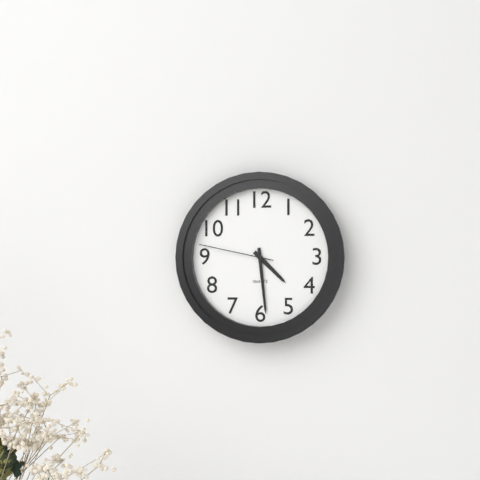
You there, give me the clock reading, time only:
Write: 4:29:47
